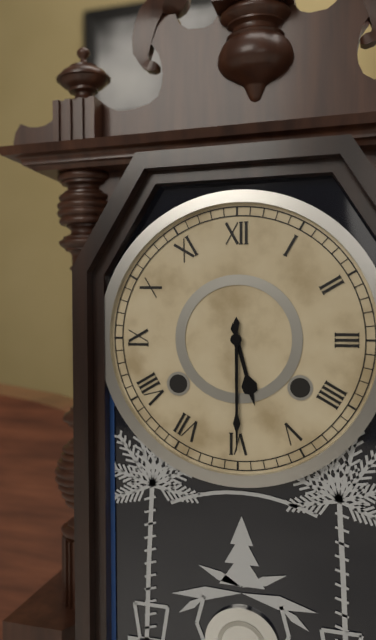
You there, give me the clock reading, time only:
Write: 5:30
